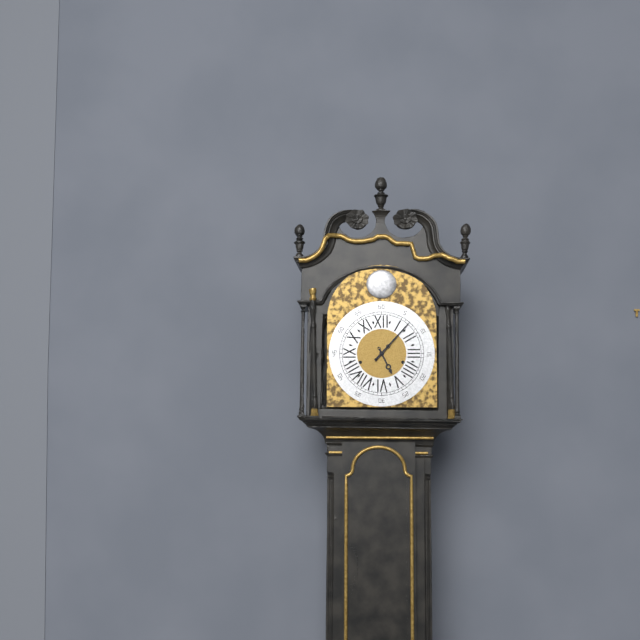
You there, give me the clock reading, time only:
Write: 5:07
